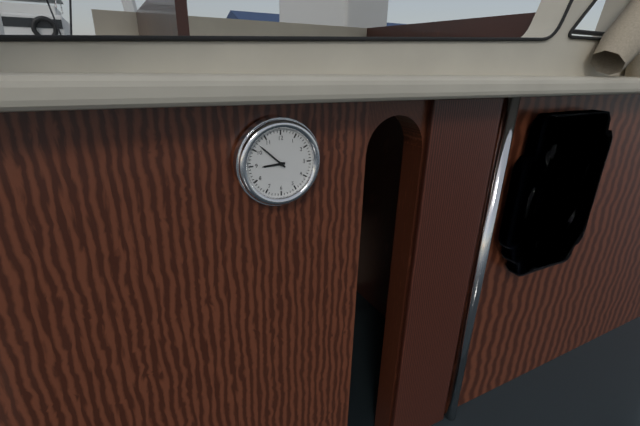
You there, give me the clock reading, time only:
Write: 8:52
